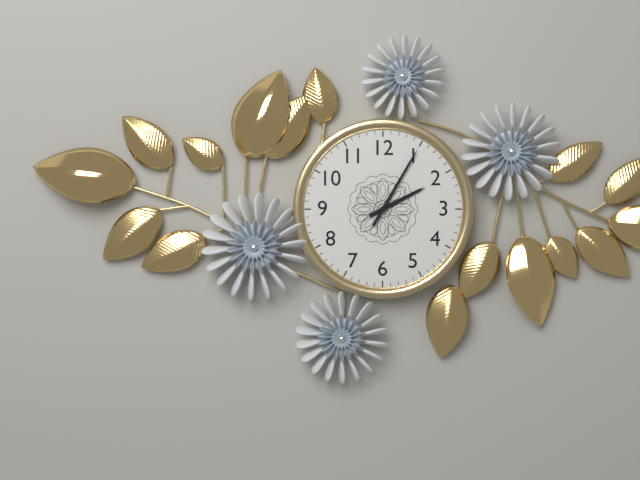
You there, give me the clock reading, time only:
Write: 2:05
